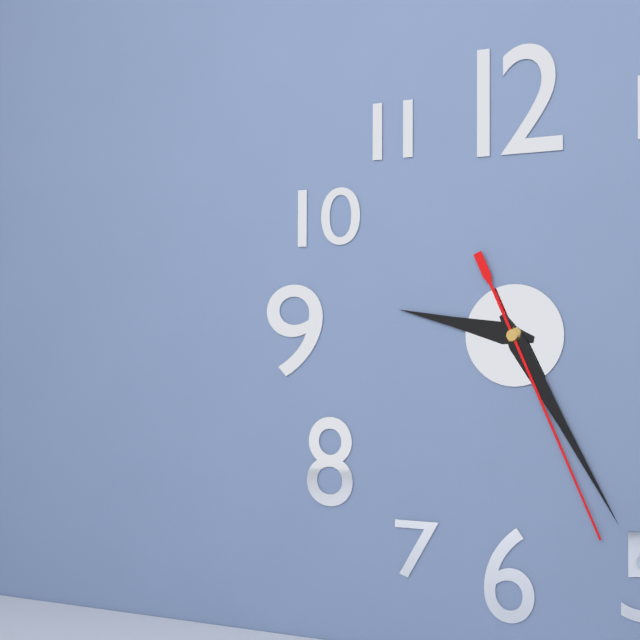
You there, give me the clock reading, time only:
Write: 9:25:26
